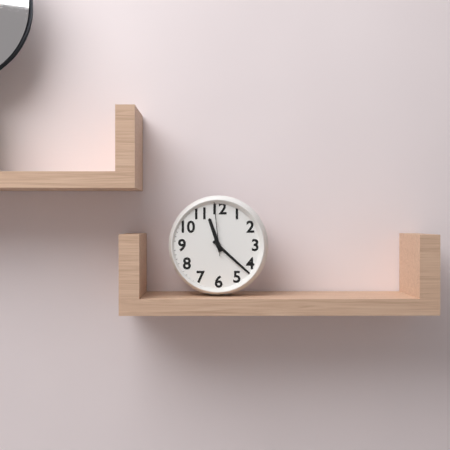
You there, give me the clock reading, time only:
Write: 11:22:59
